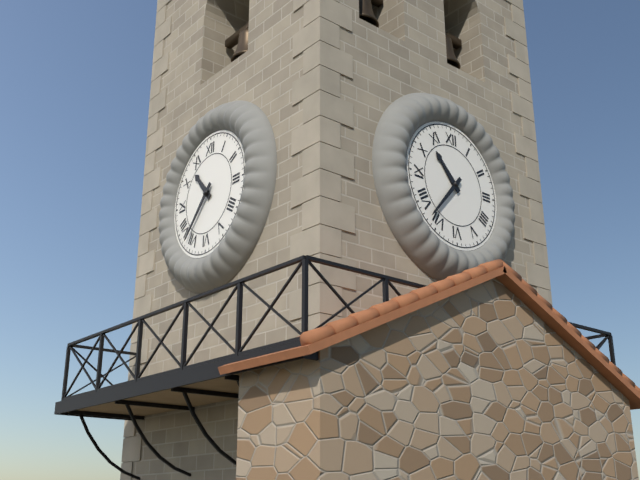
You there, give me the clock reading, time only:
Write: 10:37
